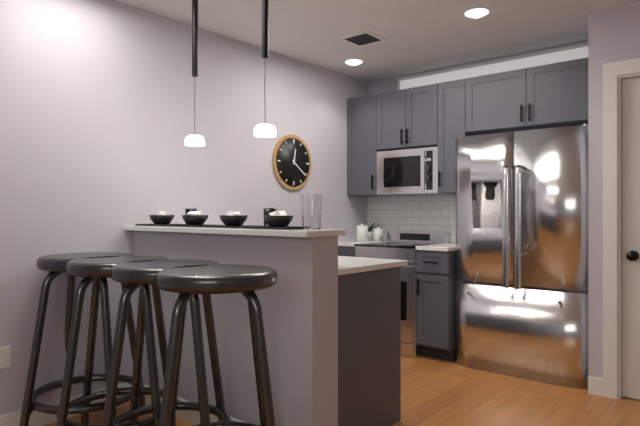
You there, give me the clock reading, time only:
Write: 12:21
